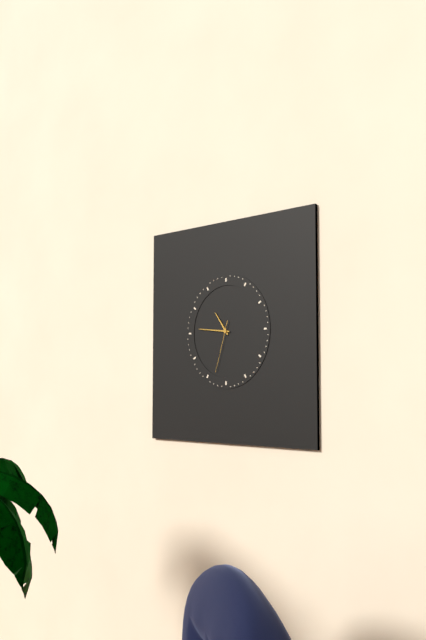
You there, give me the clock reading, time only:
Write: 10:46:33
